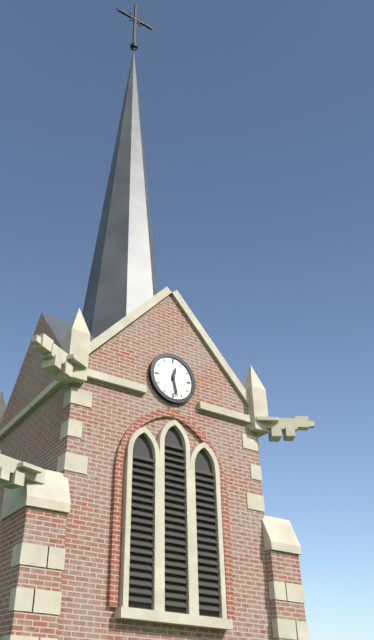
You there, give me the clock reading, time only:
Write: 12:28
